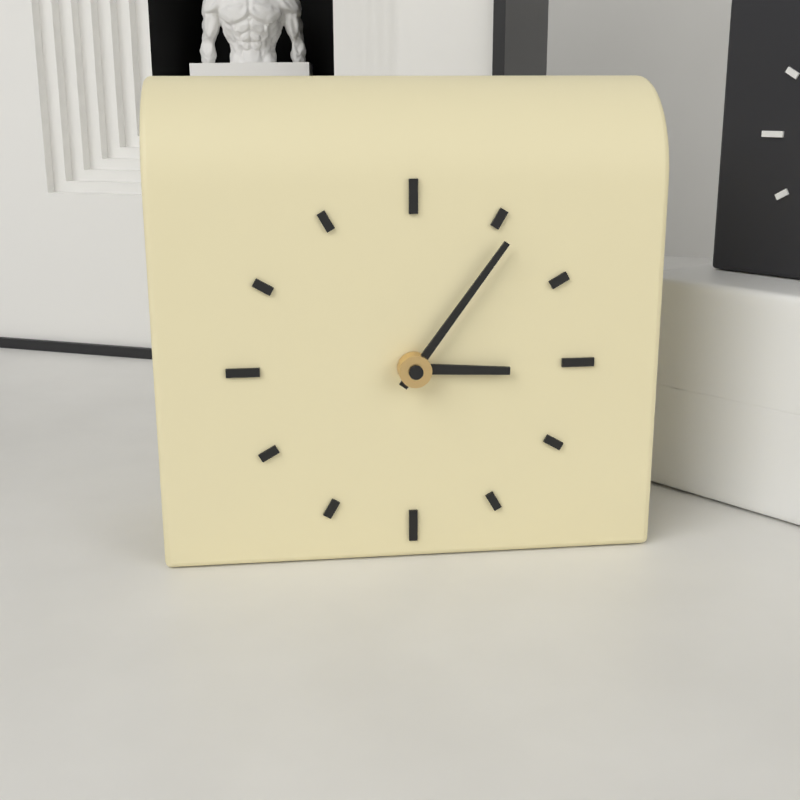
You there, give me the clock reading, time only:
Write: 3:06
